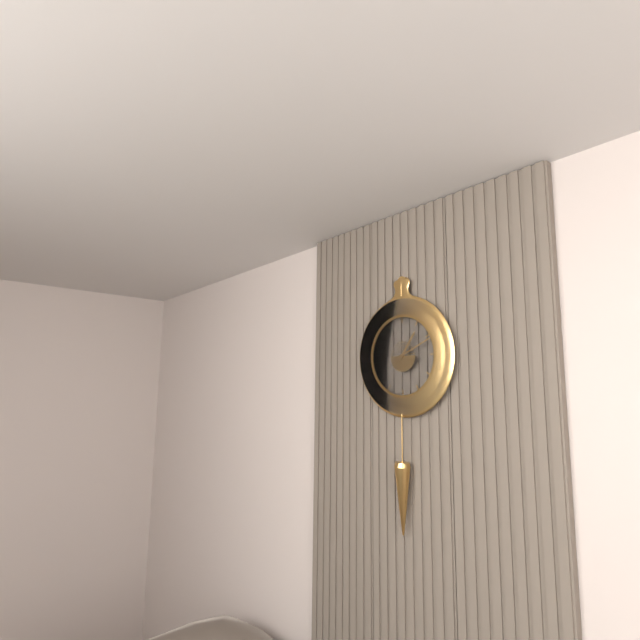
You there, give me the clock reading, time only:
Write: 1:11
